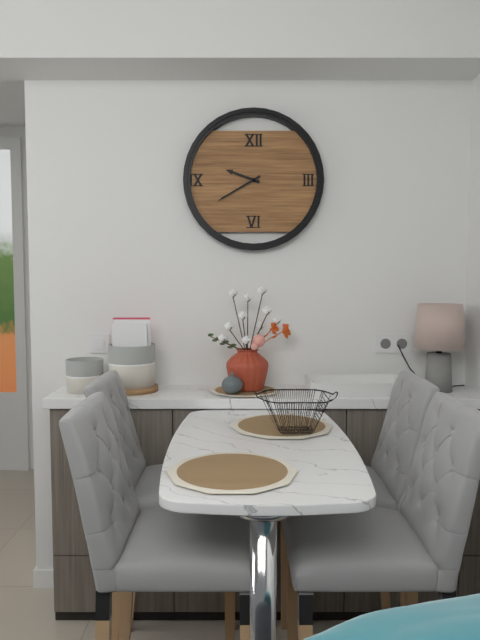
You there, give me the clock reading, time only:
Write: 9:40
